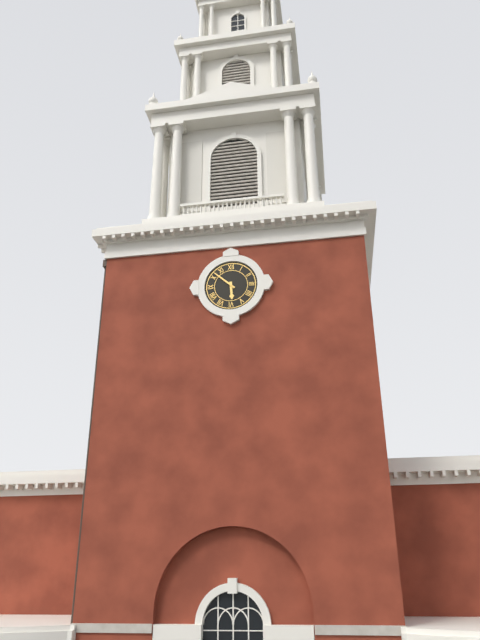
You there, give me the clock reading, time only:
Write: 5:52
